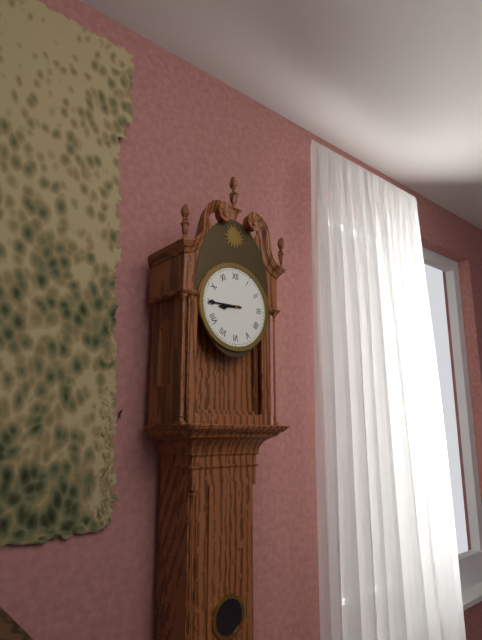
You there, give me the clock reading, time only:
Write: 8:45
